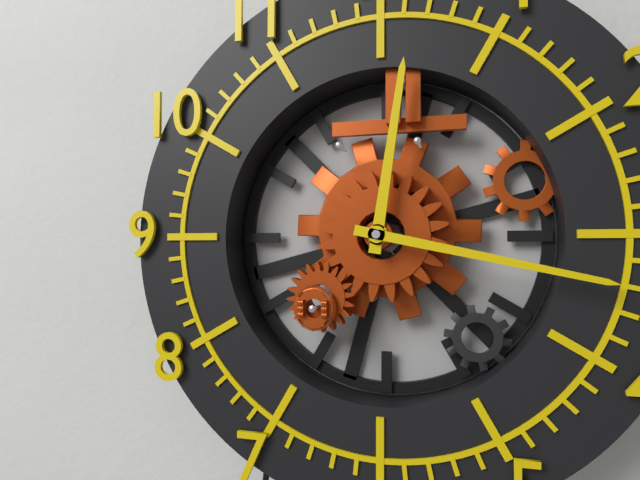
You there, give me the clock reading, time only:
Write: 12:17
